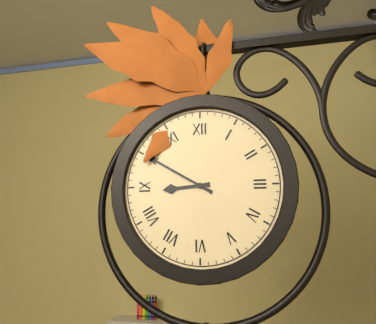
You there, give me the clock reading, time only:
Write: 8:50
